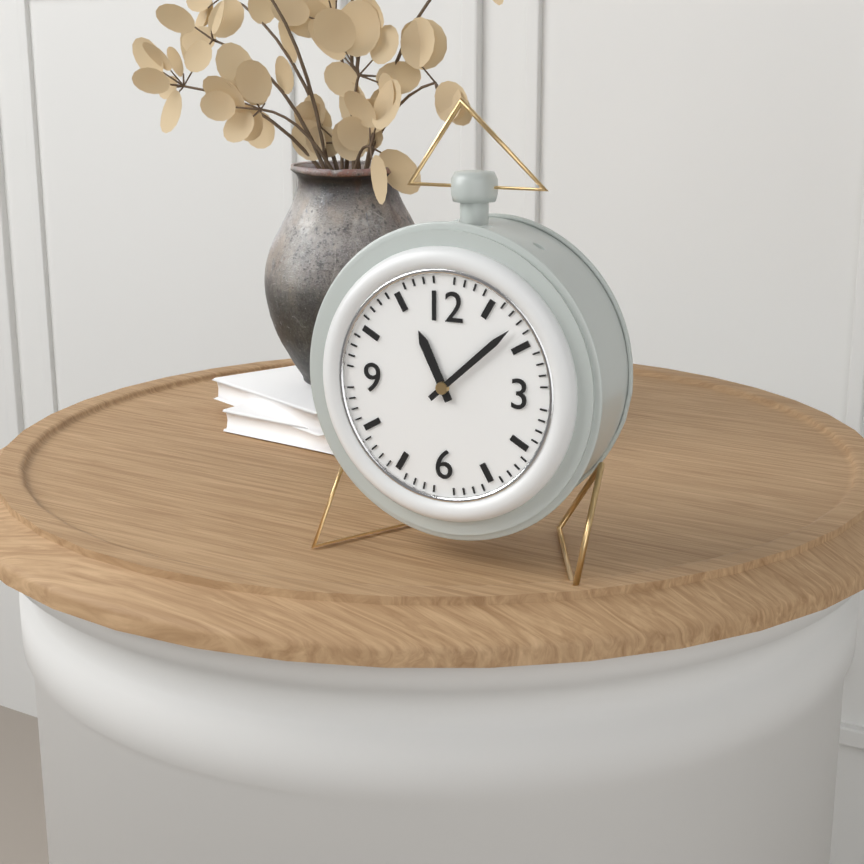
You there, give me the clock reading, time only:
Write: 11:08
